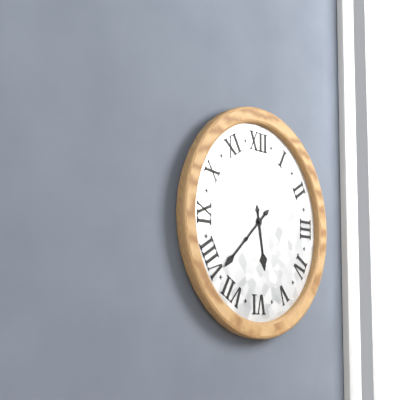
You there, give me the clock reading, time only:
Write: 5:38
